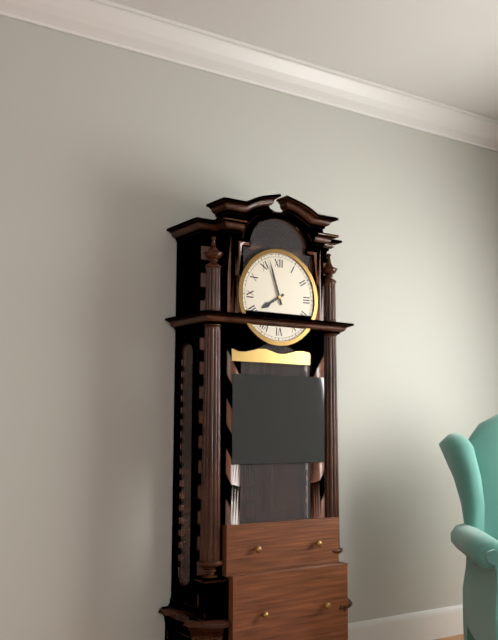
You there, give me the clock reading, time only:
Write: 7:57
